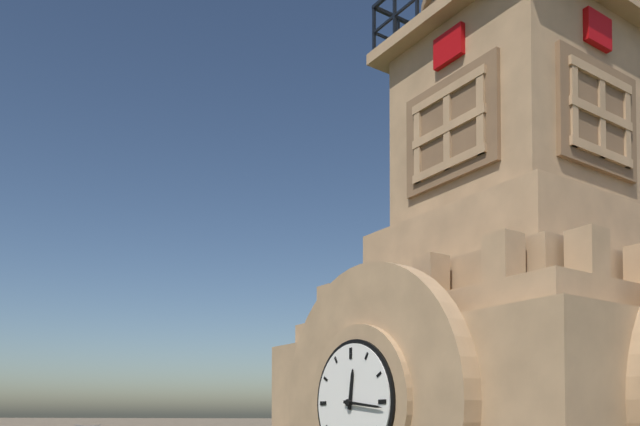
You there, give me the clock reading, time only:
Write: 12:16
